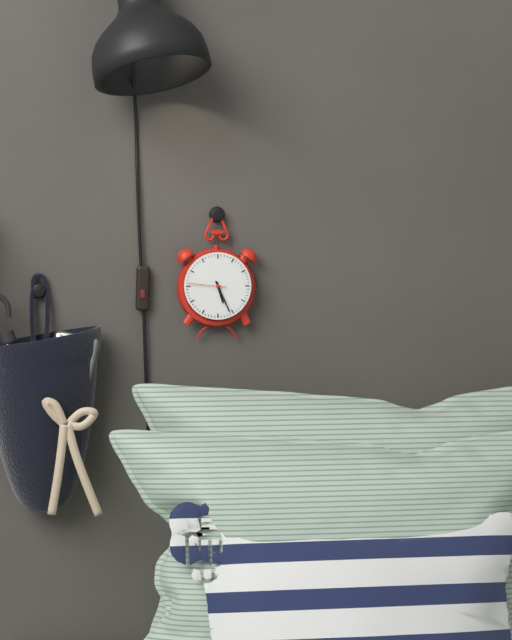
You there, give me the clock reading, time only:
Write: 5:26
